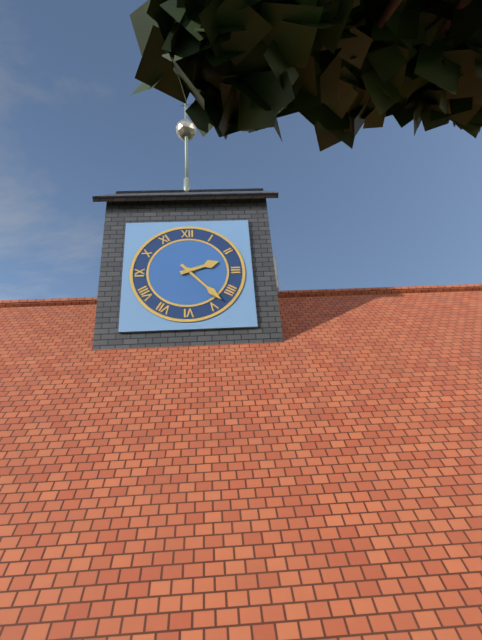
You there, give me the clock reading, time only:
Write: 2:23
